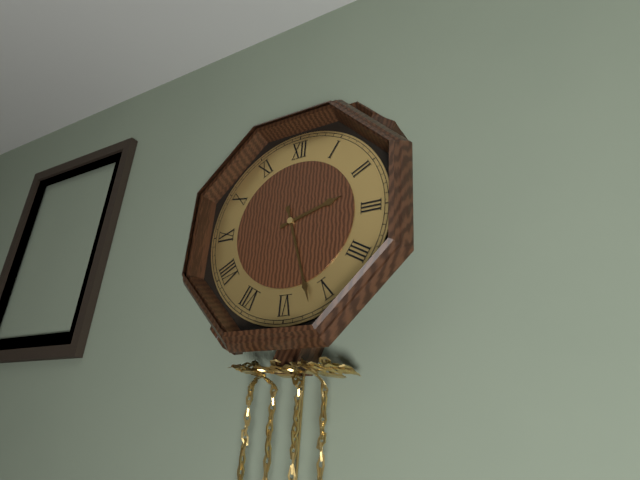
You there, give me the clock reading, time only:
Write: 2:27
